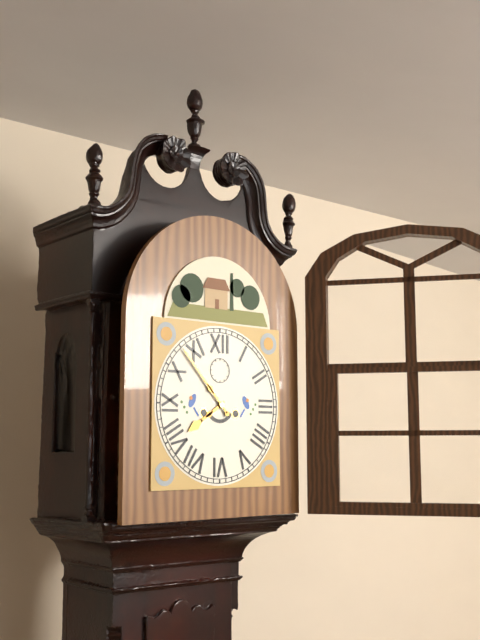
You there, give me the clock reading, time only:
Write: 7:53
